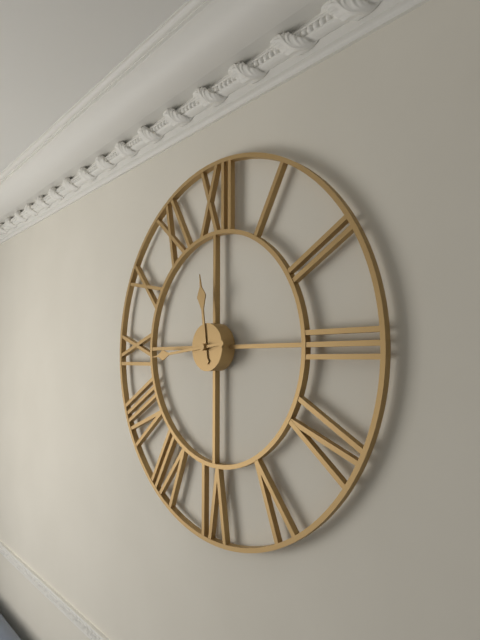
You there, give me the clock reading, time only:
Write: 11:44
